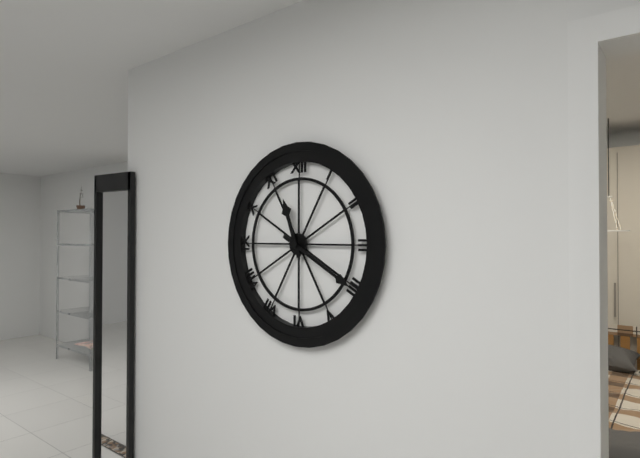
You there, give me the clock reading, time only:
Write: 11:20
